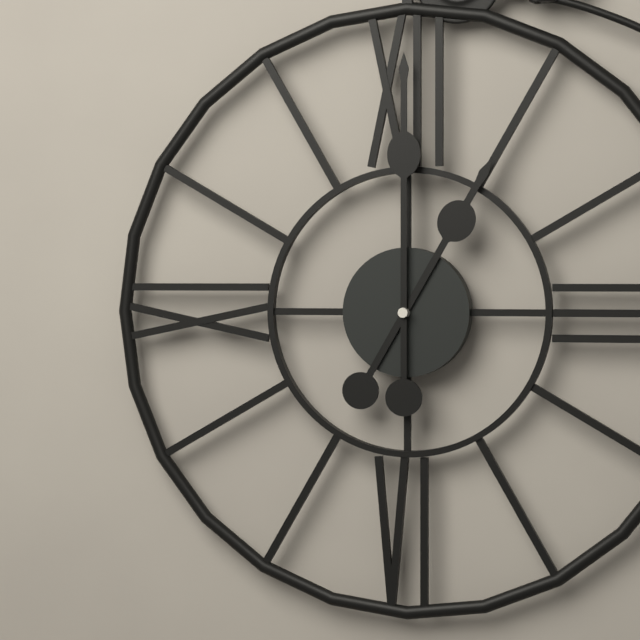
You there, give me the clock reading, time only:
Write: 1:00
